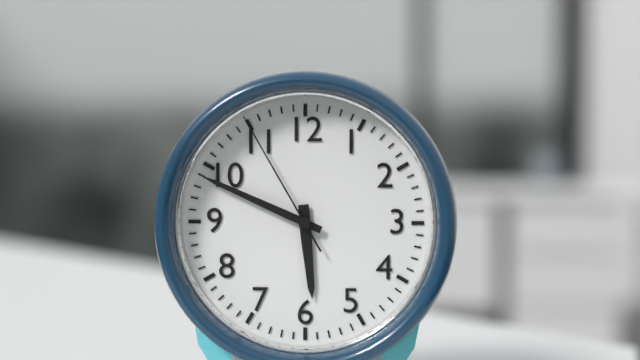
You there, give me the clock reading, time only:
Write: 5:49:55
